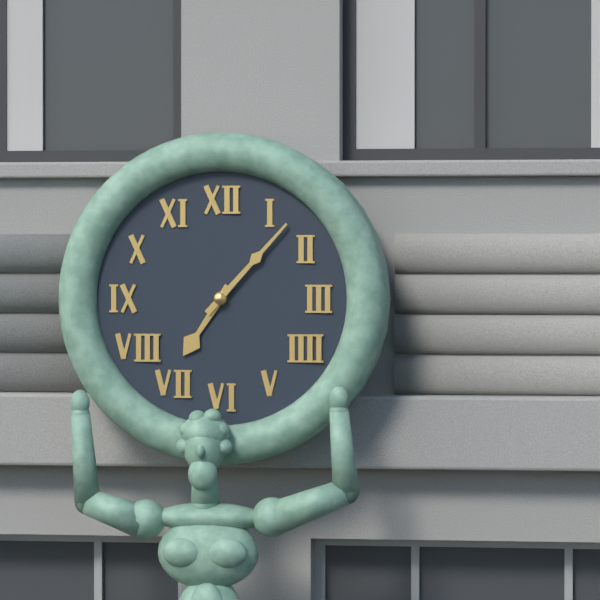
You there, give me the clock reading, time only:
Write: 7:07
